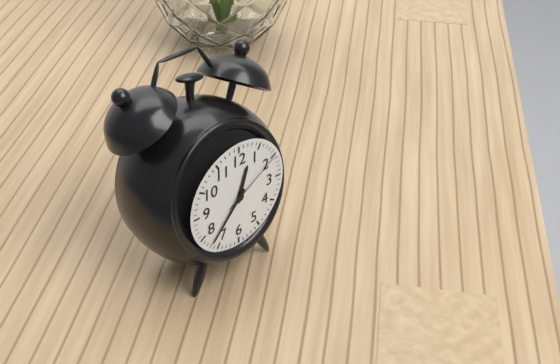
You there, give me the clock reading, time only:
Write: 12:37:10
